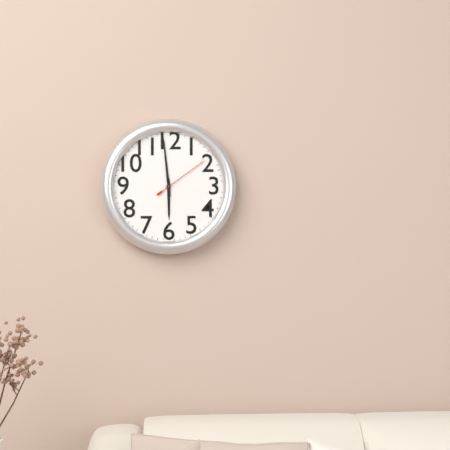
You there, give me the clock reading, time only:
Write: 5:59:09
